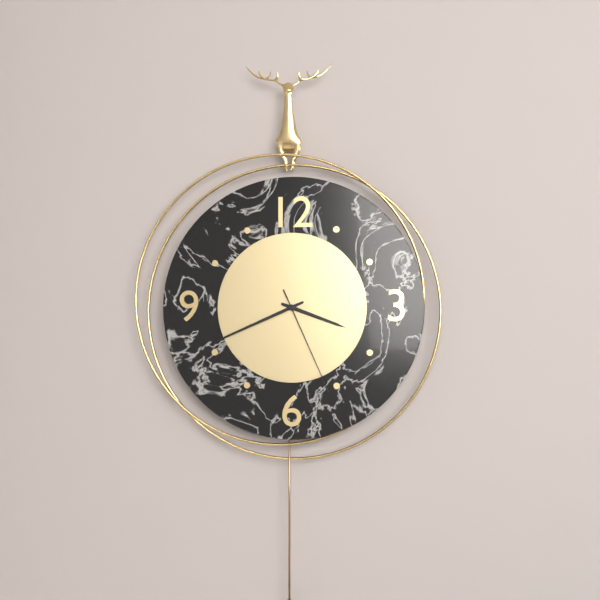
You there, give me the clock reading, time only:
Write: 3:41:26
